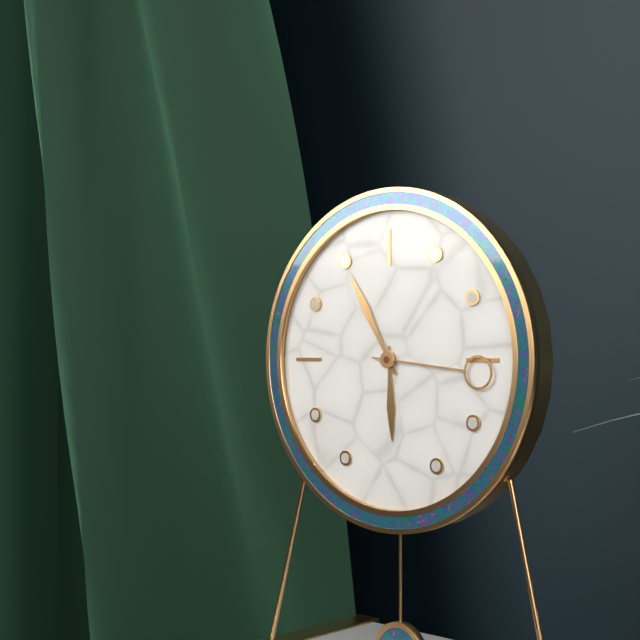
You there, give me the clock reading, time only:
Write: 5:55:16
